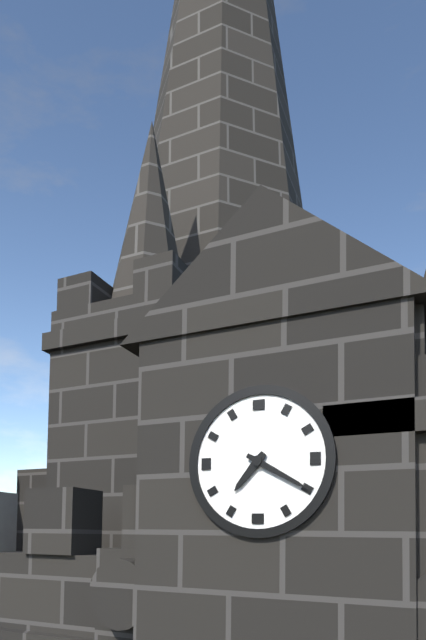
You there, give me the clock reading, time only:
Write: 7:20
